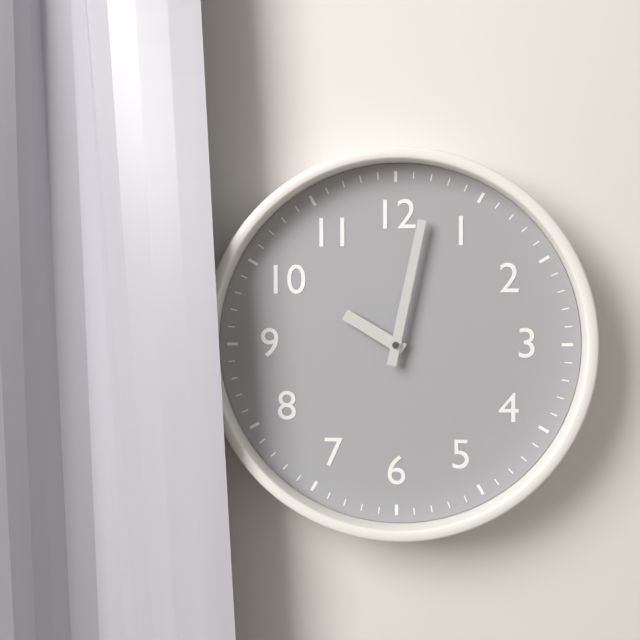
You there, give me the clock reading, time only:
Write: 10:02
